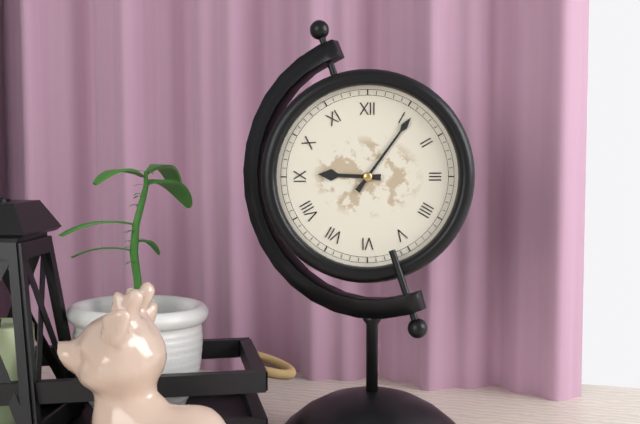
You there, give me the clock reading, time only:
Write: 9:06
